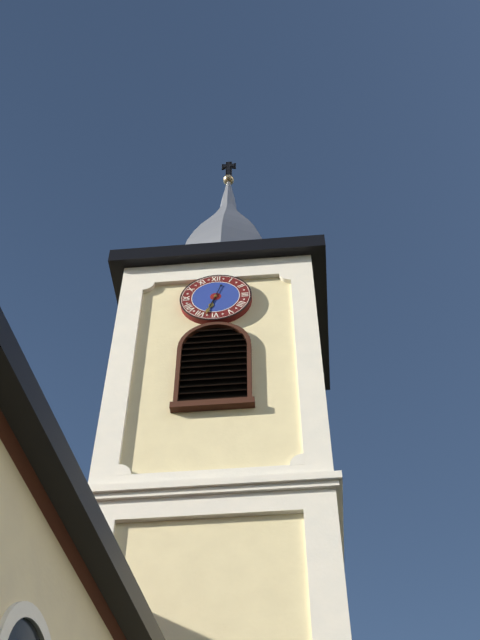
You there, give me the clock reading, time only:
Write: 6:33
